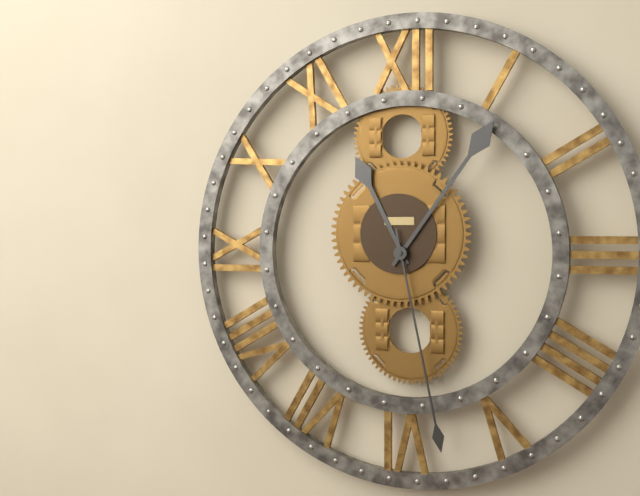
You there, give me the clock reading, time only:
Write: 11:06:28
